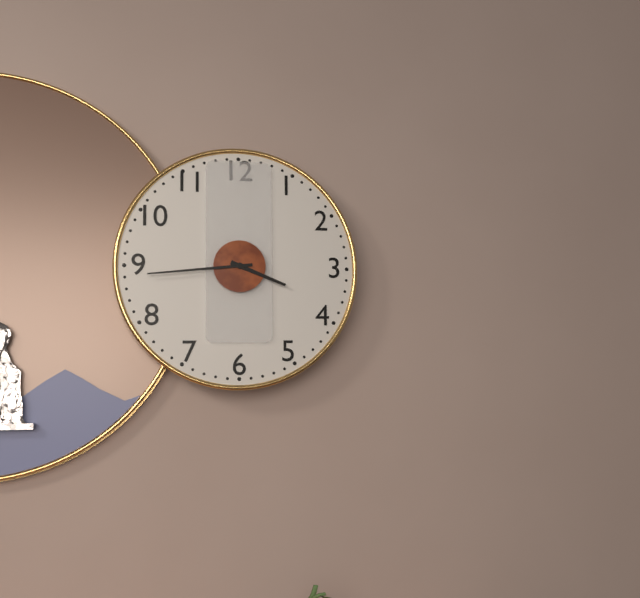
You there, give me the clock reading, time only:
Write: 3:44
